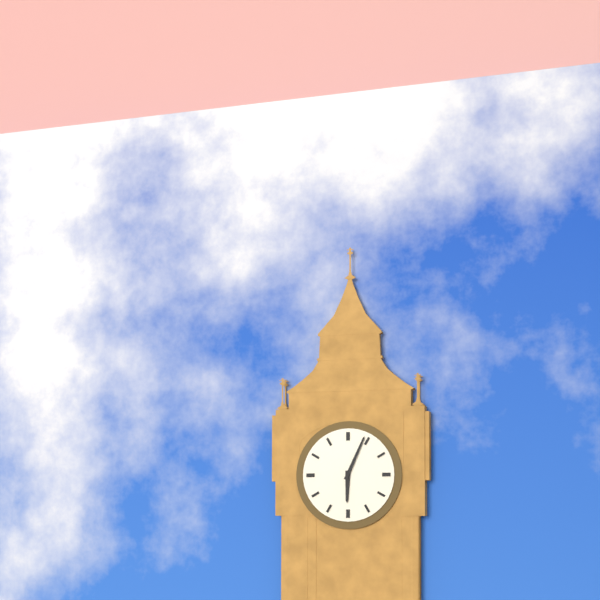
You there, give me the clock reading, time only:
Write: 6:04
